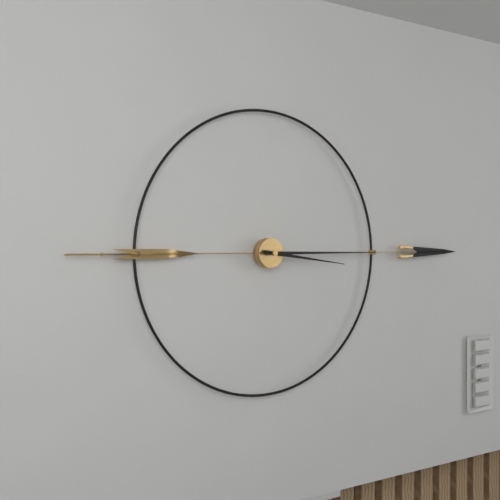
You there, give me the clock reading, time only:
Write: 3:15
